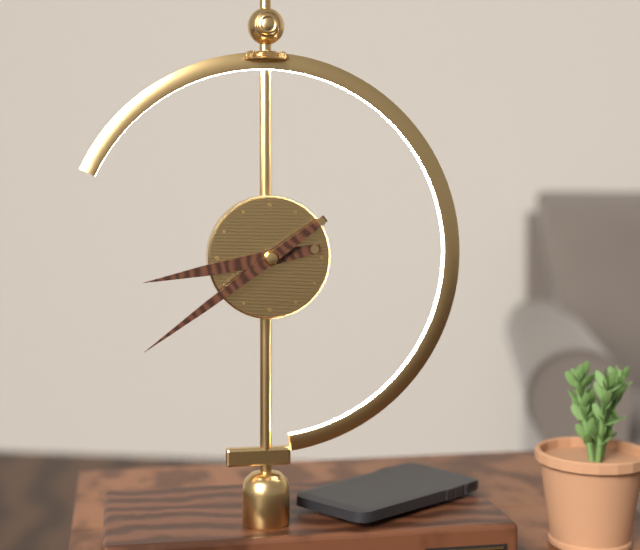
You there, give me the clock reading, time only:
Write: 8:39
